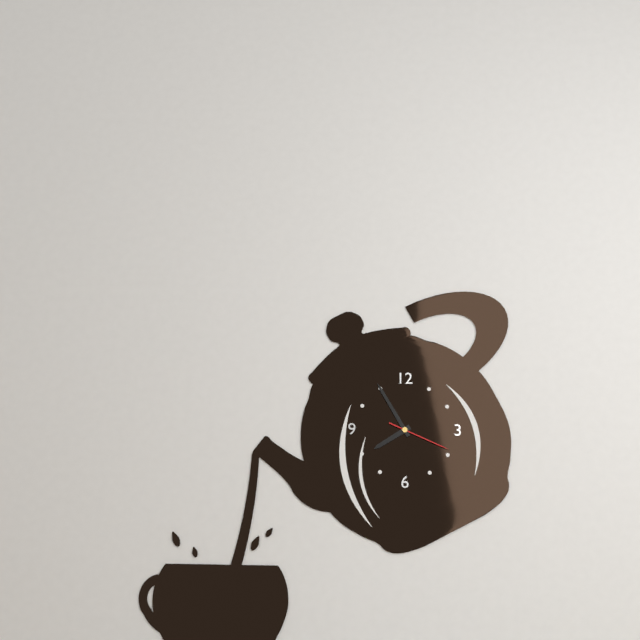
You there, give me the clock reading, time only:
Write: 7:55:19
